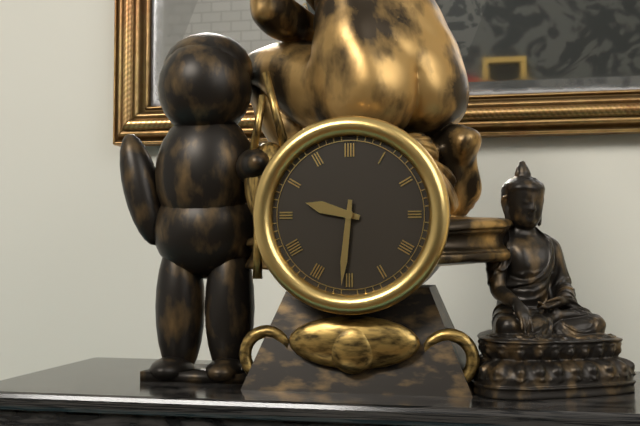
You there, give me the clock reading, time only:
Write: 9:31
